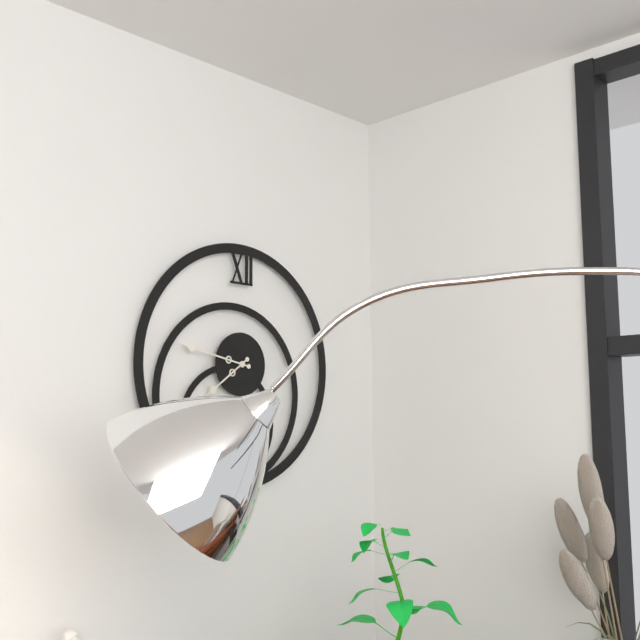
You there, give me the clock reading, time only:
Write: 7:47
